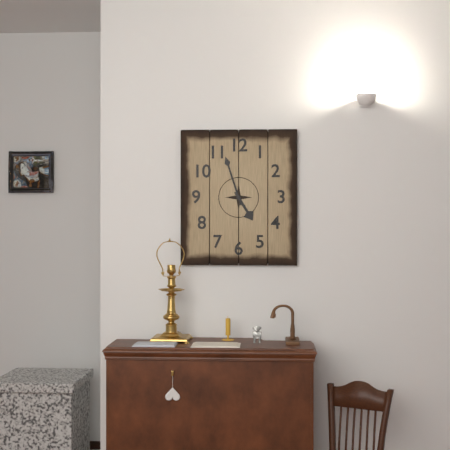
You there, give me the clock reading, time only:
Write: 4:57
